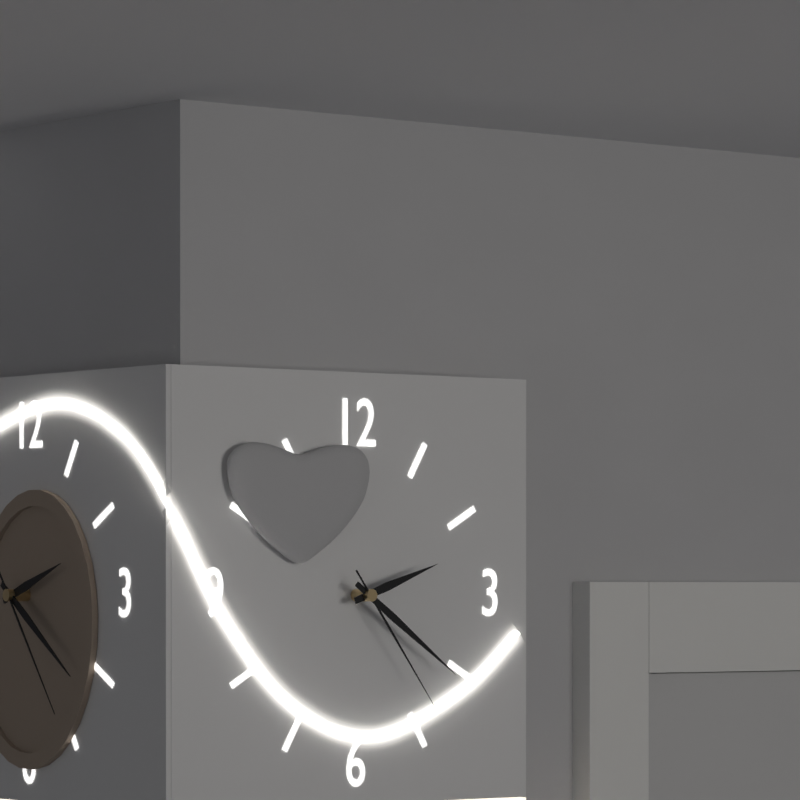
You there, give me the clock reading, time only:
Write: 2:21:24
